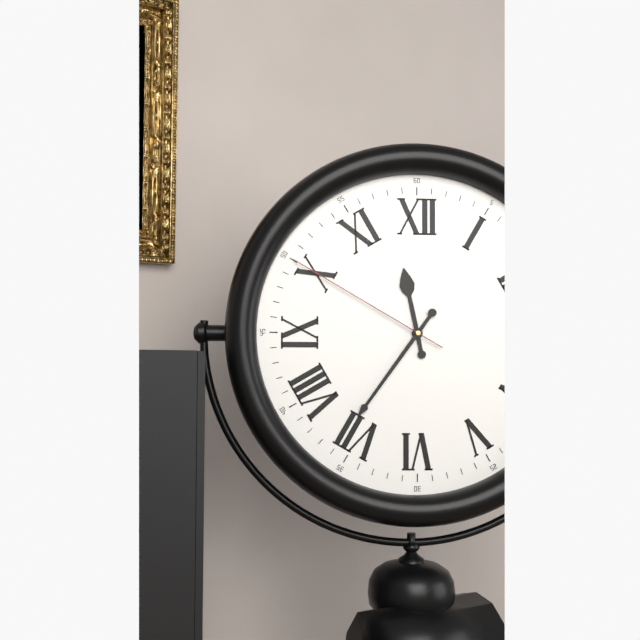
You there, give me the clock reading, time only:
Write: 11:36:50
